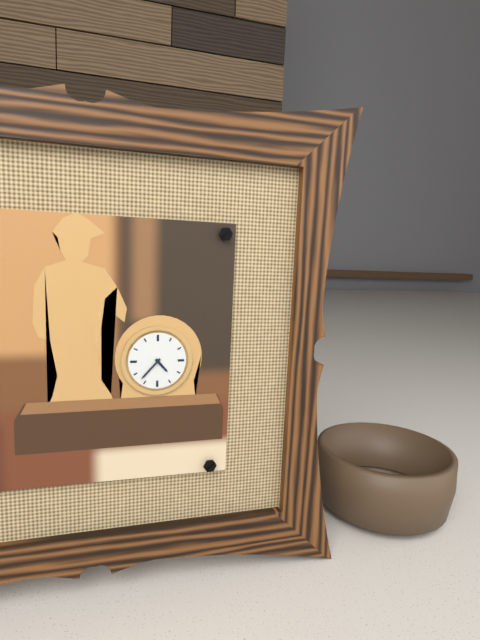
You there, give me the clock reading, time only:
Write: 4:37
